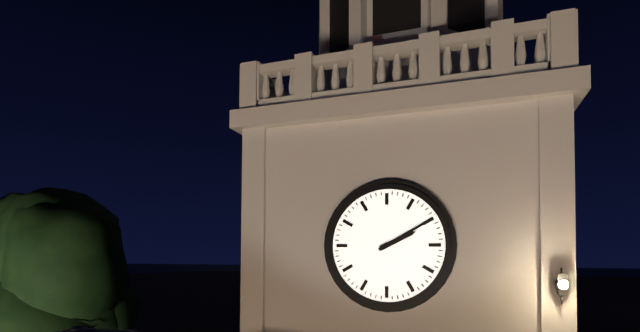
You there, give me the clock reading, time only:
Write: 2:10
